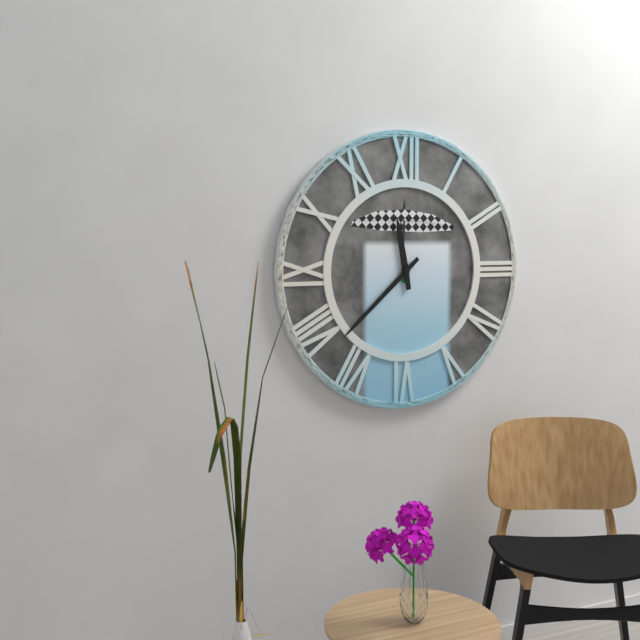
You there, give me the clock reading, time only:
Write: 11:38
